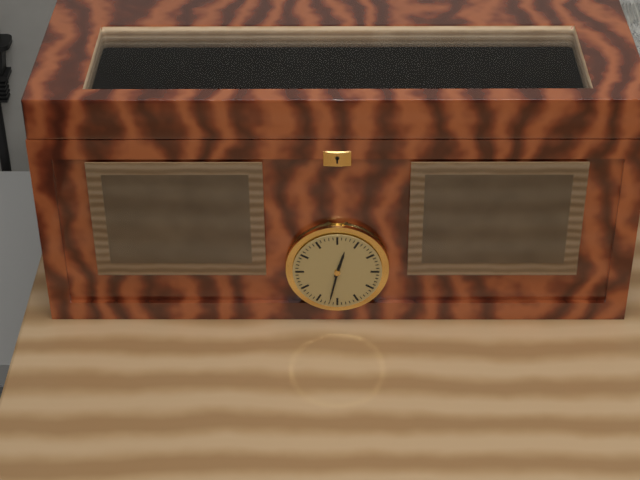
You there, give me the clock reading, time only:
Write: 12:32
